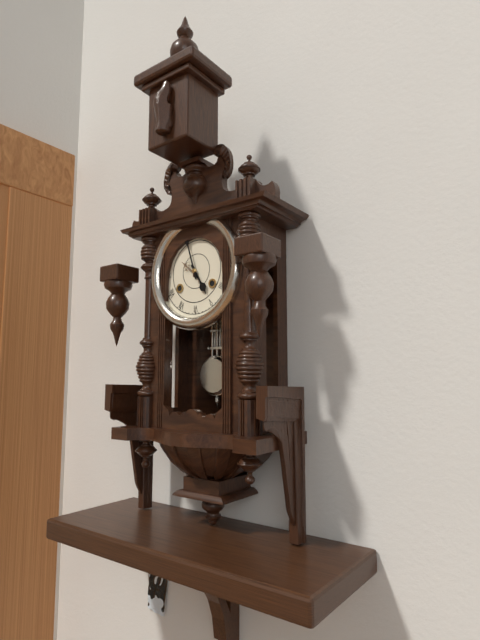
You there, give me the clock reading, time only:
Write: 4:57
